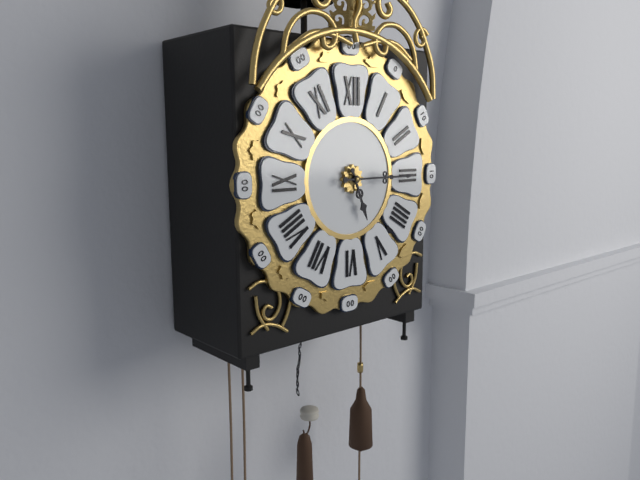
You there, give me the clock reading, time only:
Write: 5:15
